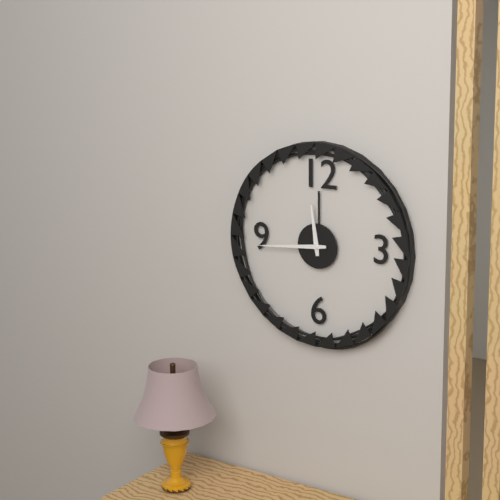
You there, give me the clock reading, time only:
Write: 11:44
